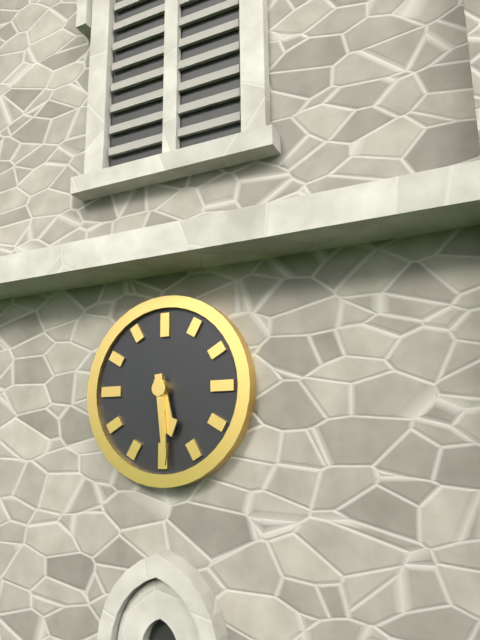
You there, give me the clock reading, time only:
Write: 5:29
